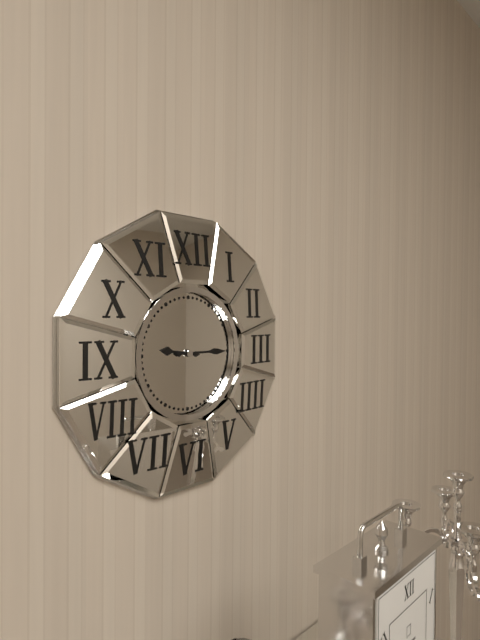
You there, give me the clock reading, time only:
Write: 9:15
